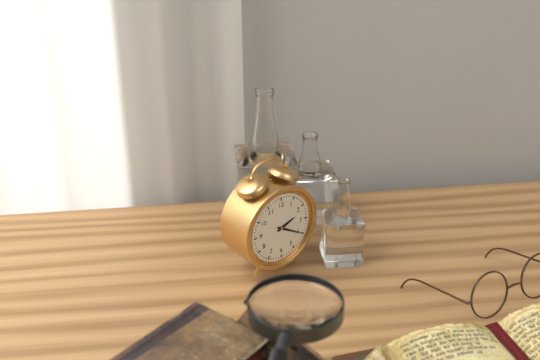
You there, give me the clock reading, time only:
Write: 2:20
